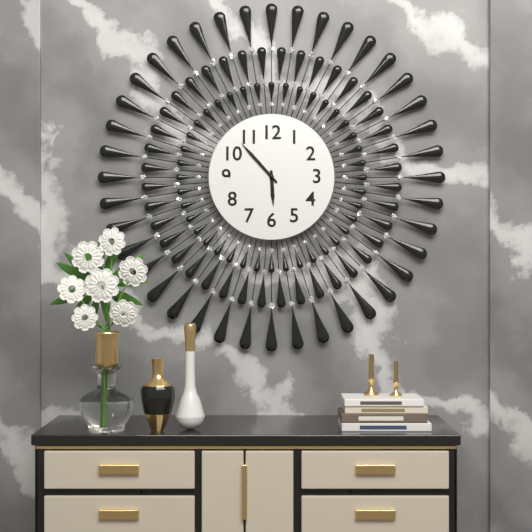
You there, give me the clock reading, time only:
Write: 5:53
